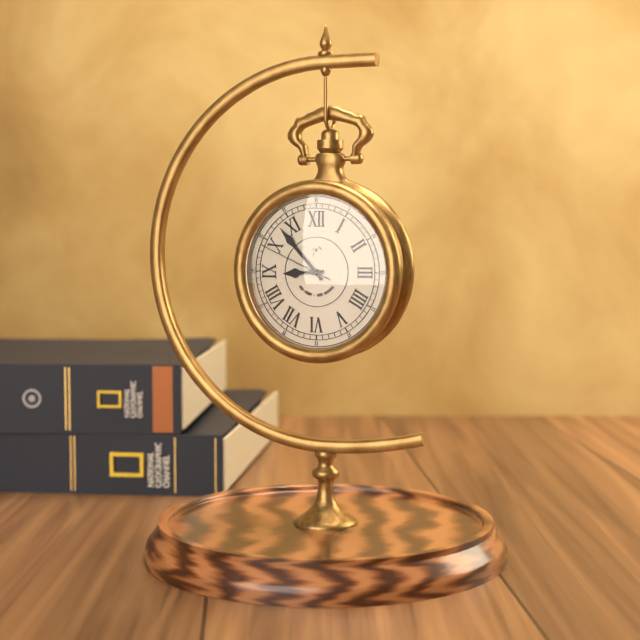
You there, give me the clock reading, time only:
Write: 8:53:49
